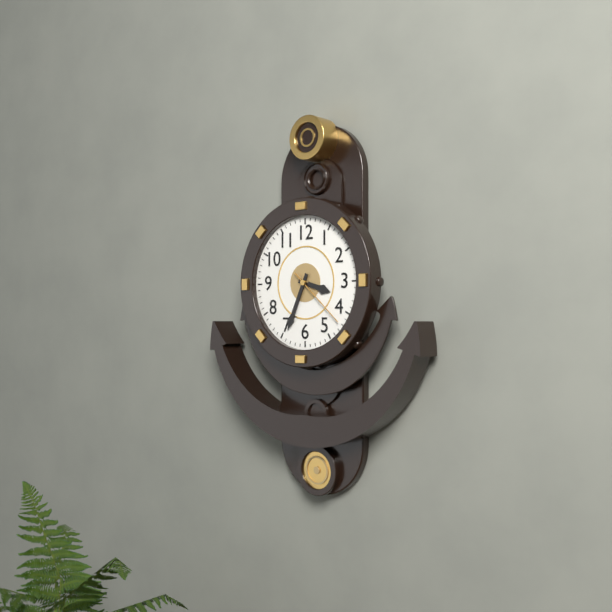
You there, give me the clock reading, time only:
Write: 3:34:22
